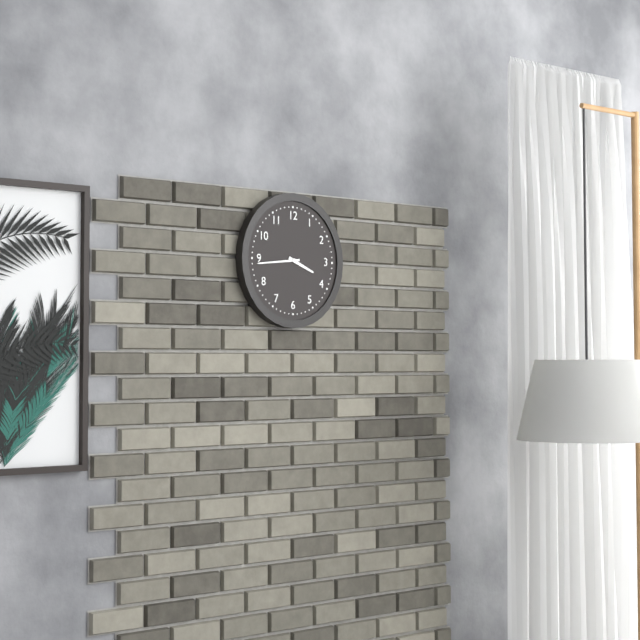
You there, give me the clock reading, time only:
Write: 3:44
